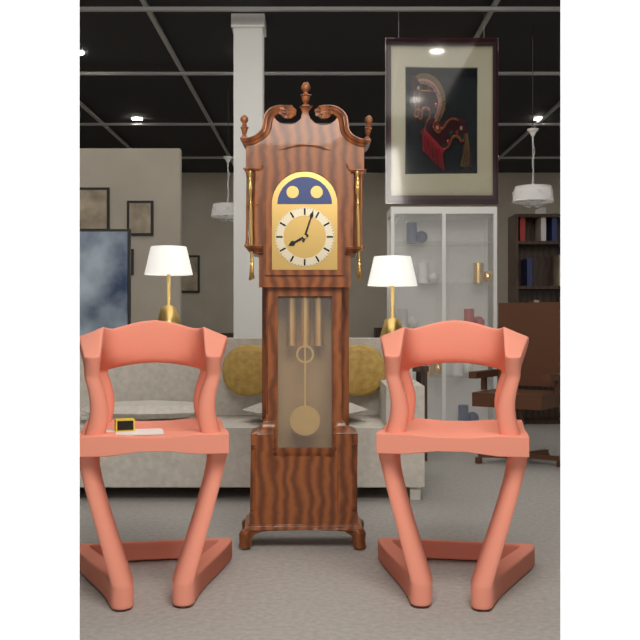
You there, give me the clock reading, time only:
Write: 8:03
